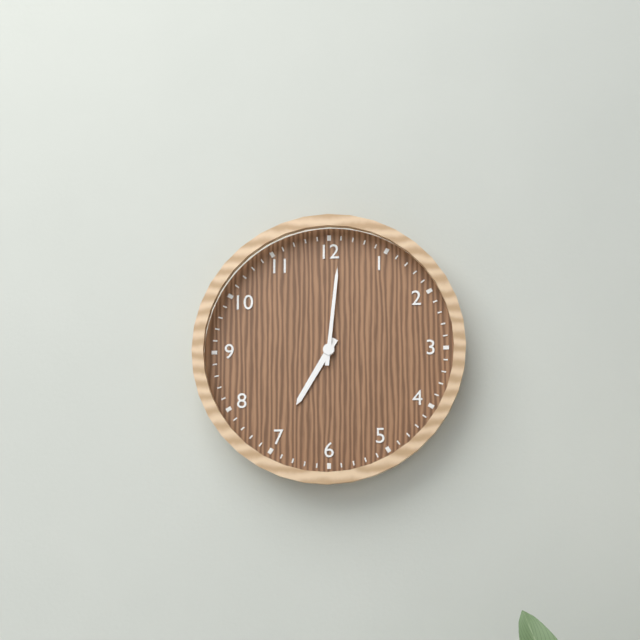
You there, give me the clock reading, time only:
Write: 7:01
